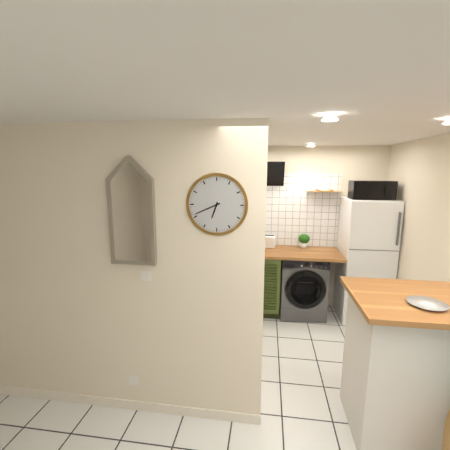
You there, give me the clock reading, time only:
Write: 6:41
